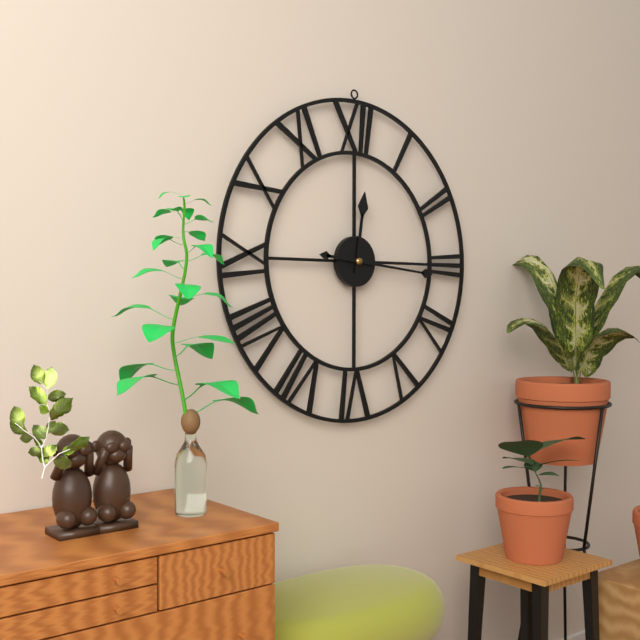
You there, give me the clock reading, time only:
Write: 12:16
